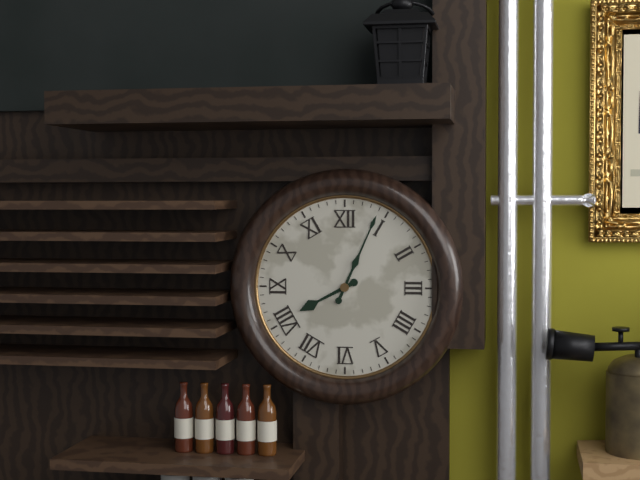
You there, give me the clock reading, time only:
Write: 8:04
